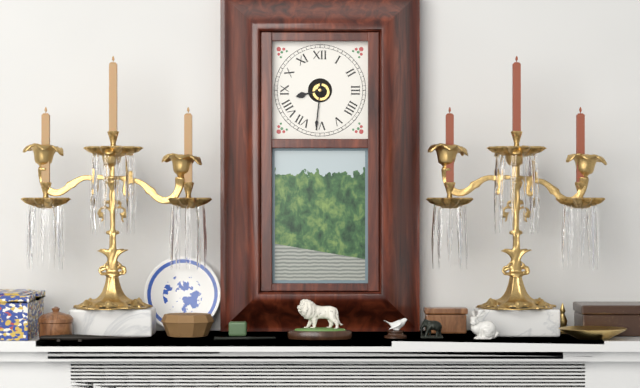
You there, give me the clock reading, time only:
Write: 8:31
